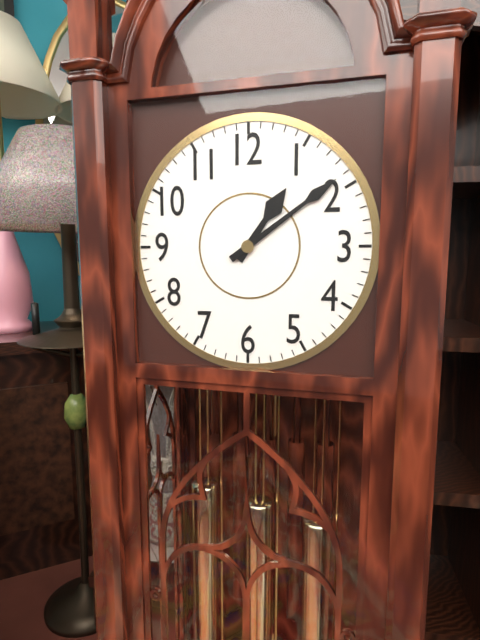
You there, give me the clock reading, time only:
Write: 1:09
